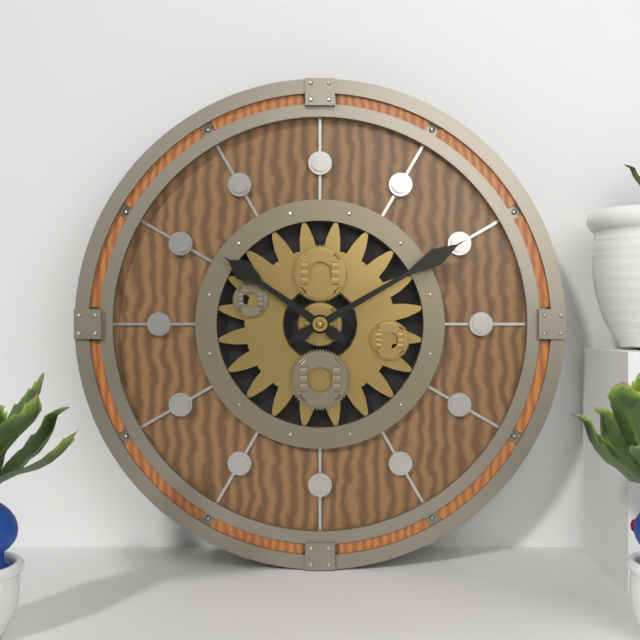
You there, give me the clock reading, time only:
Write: 10:10
